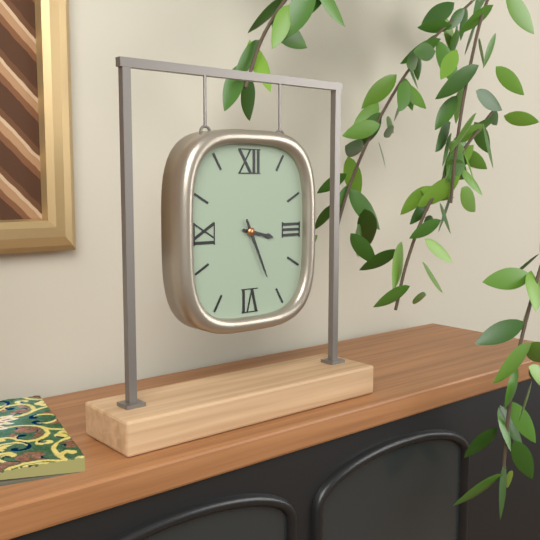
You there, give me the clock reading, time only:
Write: 3:26
